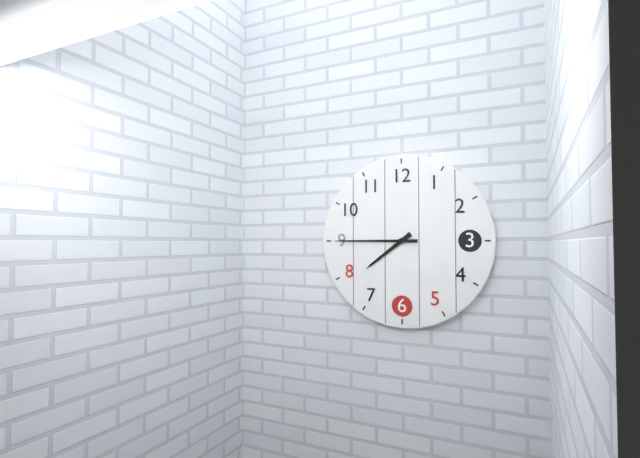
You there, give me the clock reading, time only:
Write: 7:45
